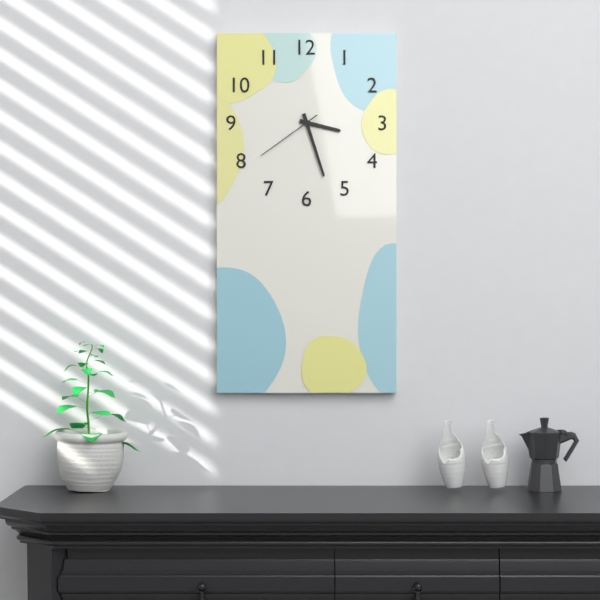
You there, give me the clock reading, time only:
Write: 3:27:39
